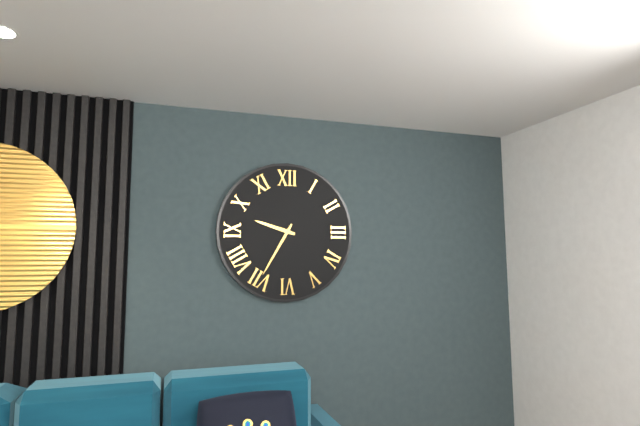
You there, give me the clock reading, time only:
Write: 9:35
